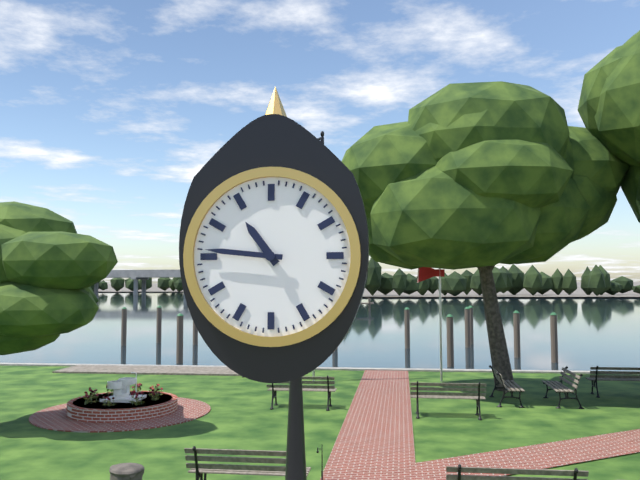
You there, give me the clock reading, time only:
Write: 10:46
